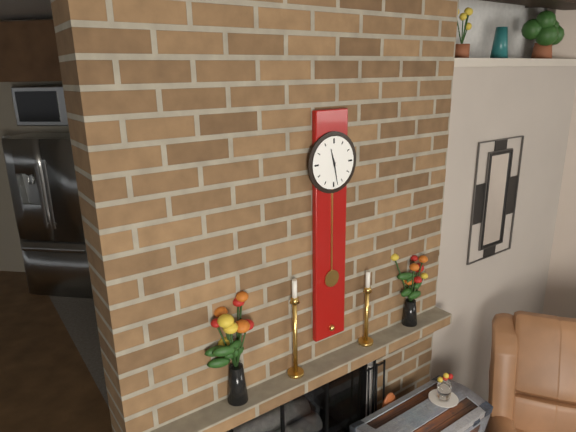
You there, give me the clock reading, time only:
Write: 11:28
